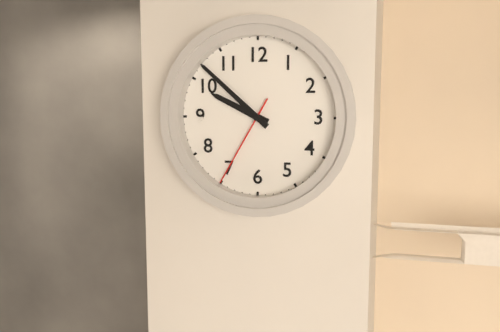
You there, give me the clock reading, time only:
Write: 9:52:35
